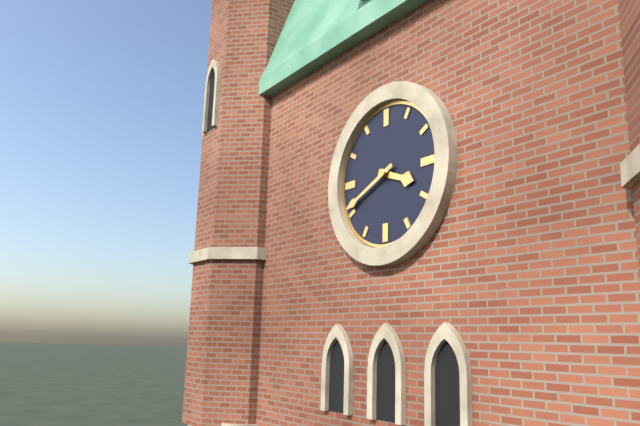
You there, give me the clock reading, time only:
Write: 3:41
